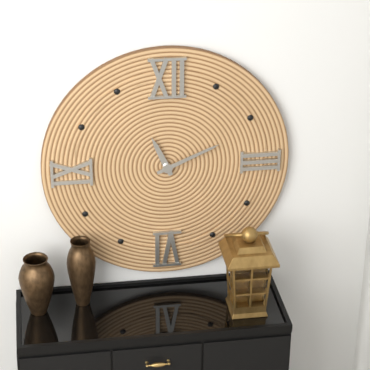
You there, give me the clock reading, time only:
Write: 11:11
